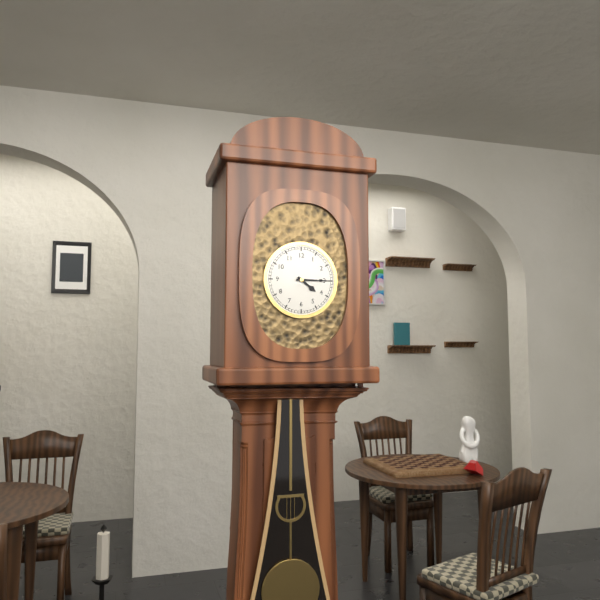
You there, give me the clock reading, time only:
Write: 4:15
